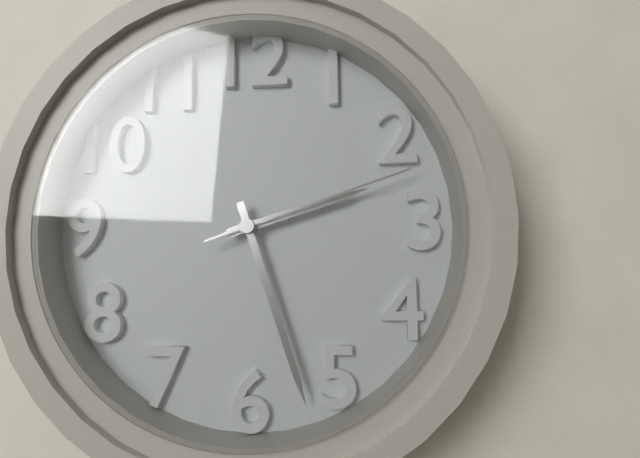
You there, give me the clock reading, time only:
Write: 2:27:12
